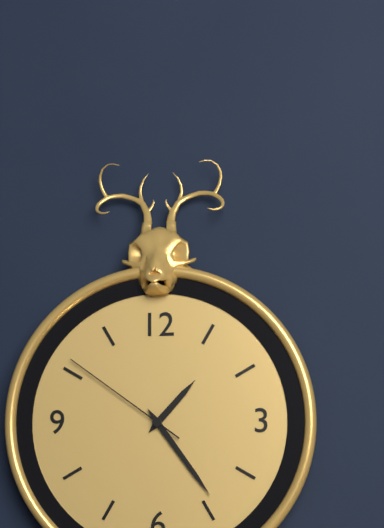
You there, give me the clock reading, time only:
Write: 1:24:51
